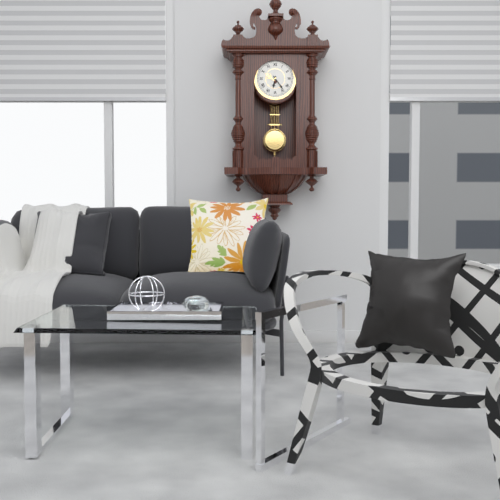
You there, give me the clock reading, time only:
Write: 6:24
